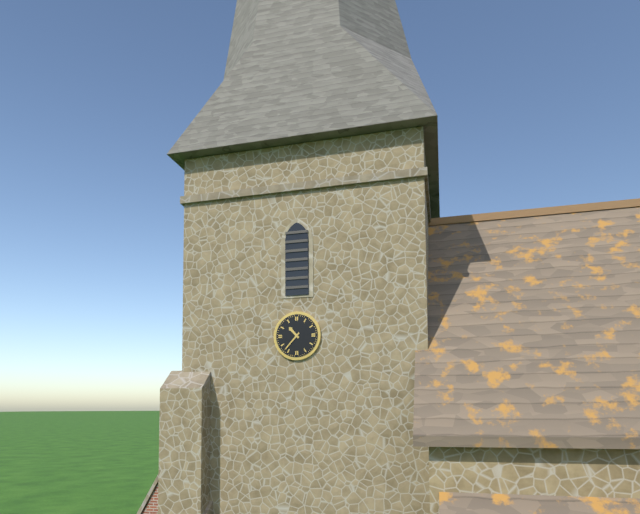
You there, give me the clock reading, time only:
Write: 10:37
